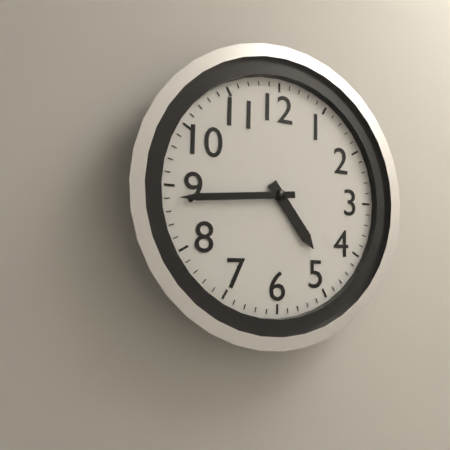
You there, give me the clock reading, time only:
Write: 4:44
